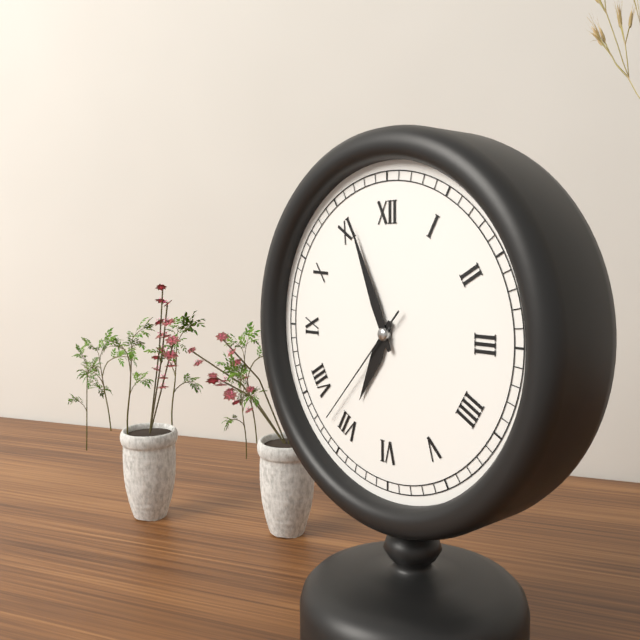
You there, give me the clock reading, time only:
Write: 6:56:37
